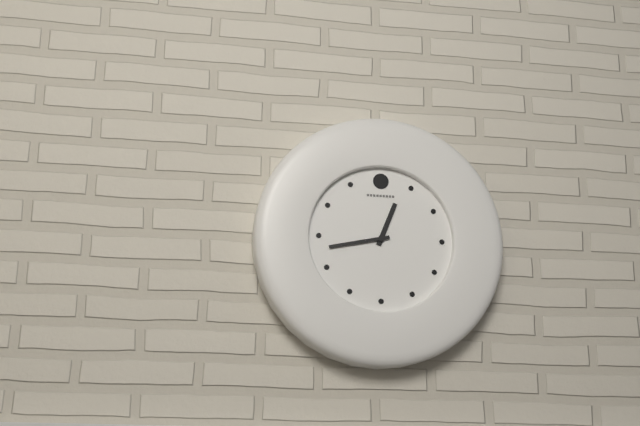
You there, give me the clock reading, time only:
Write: 12:43
